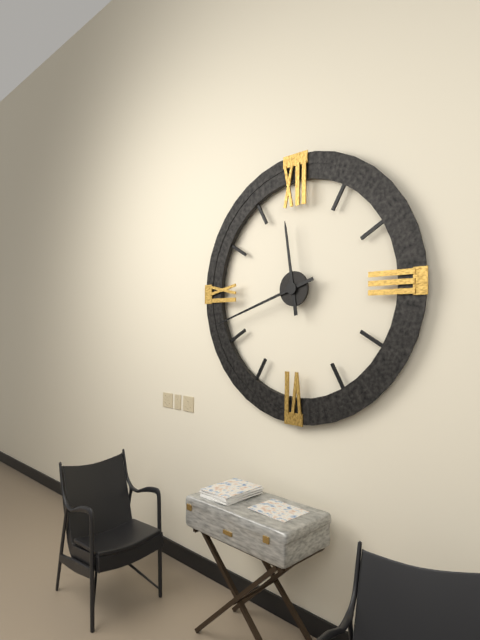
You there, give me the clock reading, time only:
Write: 11:42
